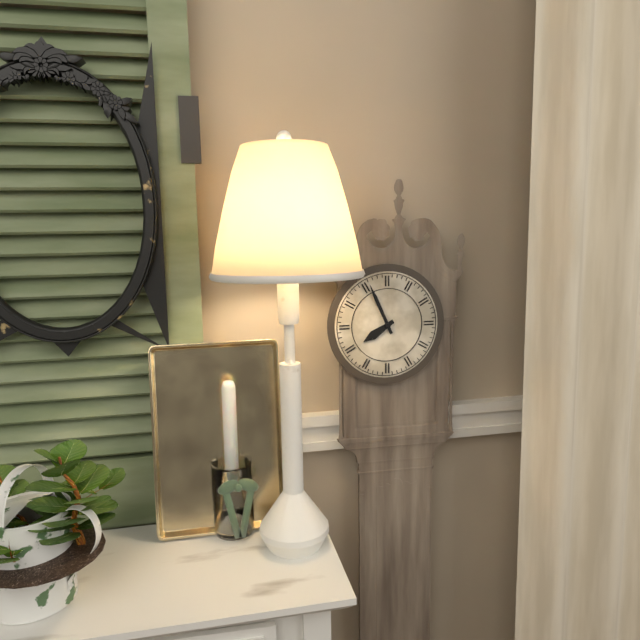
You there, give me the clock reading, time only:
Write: 7:56
